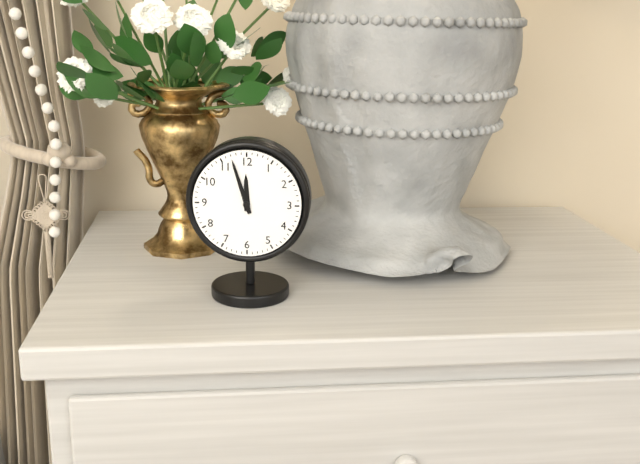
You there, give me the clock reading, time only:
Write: 11:57
